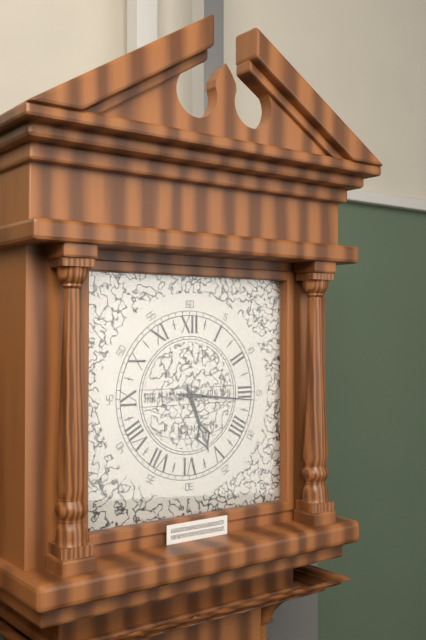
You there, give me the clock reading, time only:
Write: 5:16
